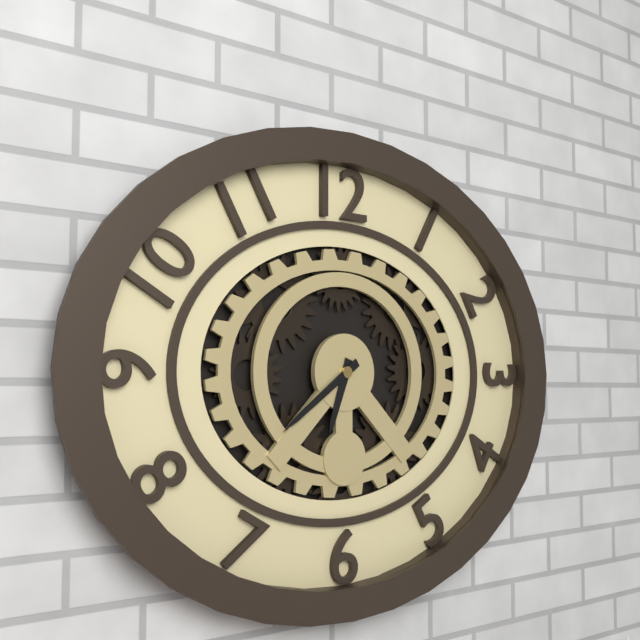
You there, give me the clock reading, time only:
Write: 6:39
